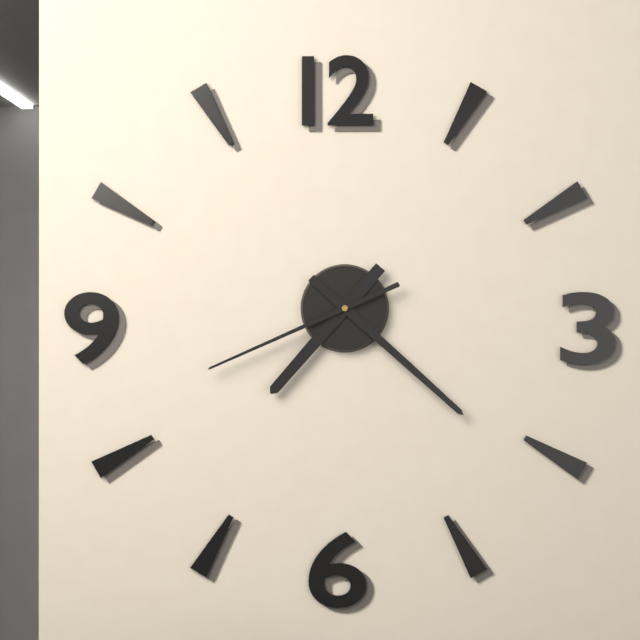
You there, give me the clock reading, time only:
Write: 7:22:41
